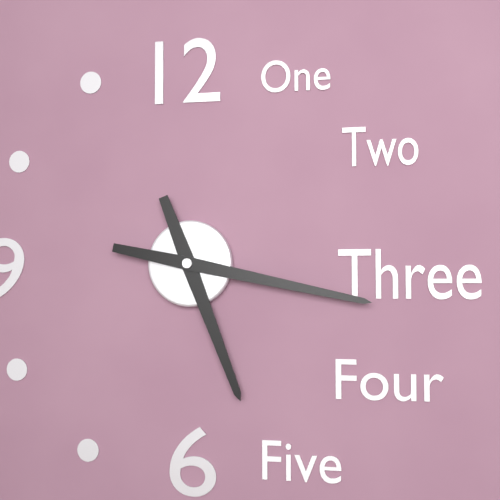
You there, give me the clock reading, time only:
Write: 5:17
